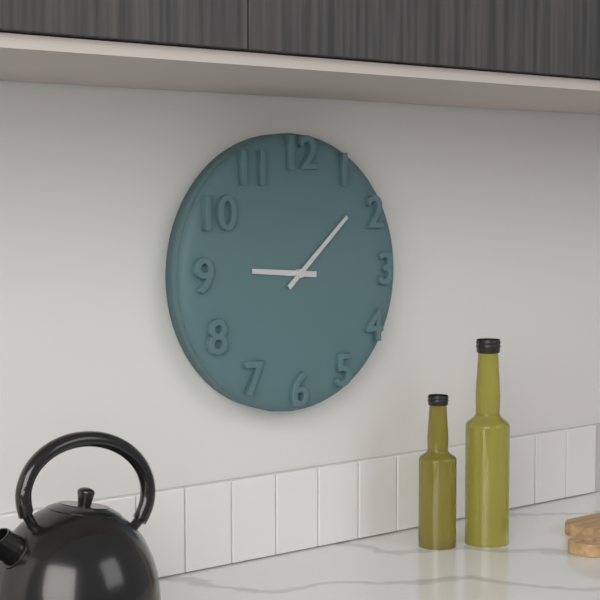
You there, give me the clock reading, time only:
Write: 9:08
